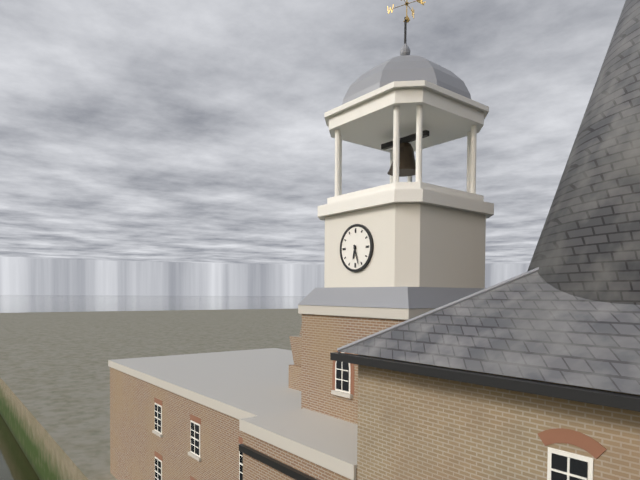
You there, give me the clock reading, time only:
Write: 6:27
